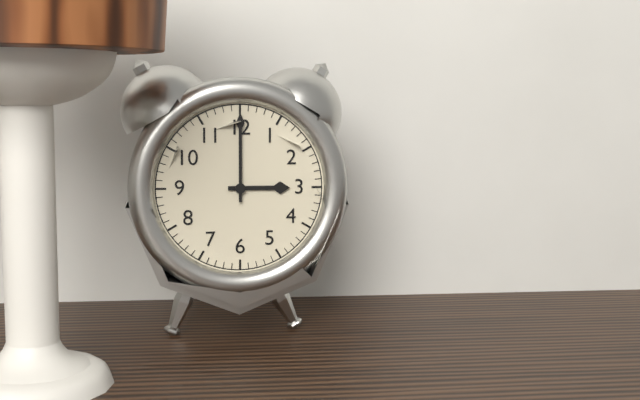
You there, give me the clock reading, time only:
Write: 3:00
